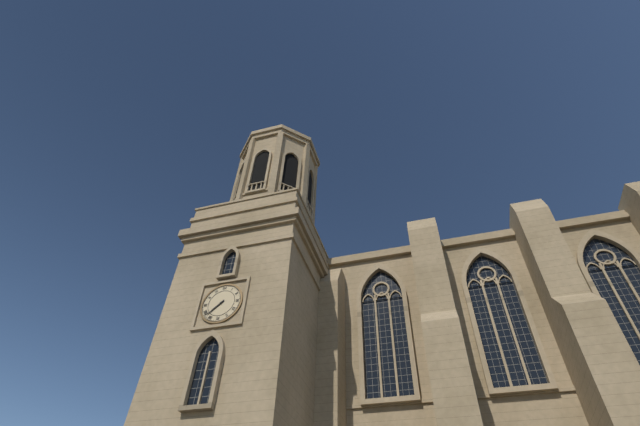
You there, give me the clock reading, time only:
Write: 7:38
